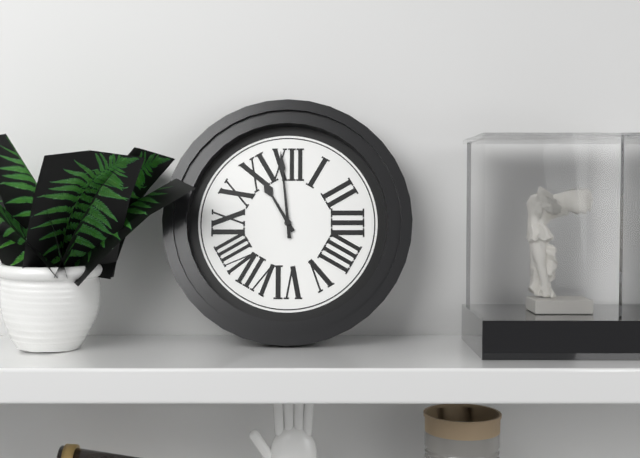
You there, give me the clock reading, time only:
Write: 10:59
